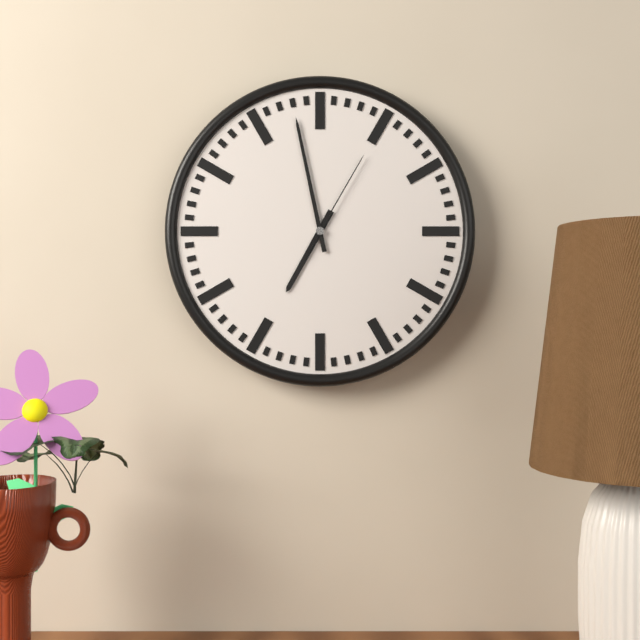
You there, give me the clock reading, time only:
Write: 6:58:05
